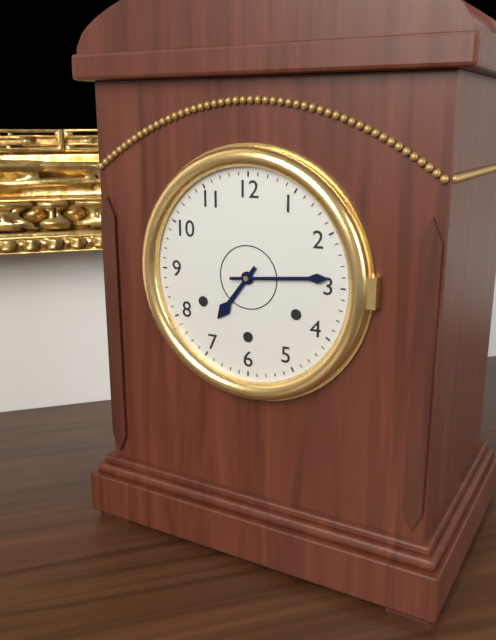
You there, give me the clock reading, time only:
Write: 7:14
